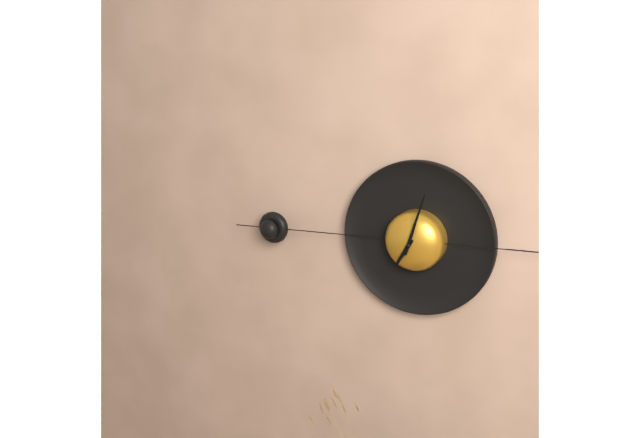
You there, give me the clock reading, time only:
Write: 7:03
